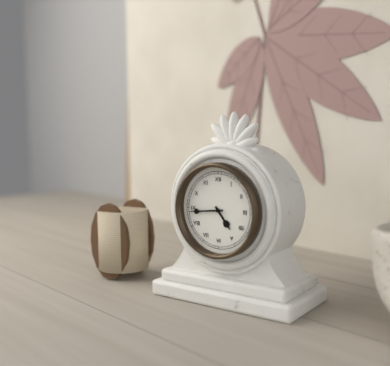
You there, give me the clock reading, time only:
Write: 4:44
